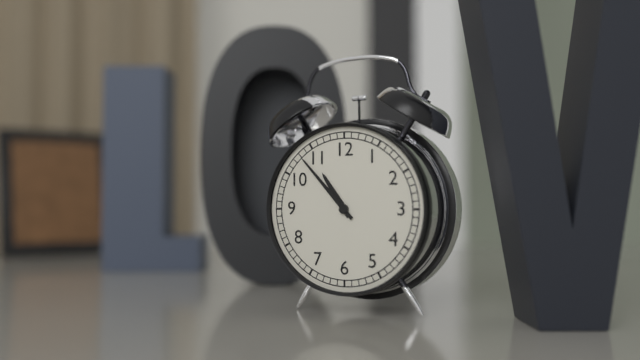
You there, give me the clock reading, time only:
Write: 10:53
